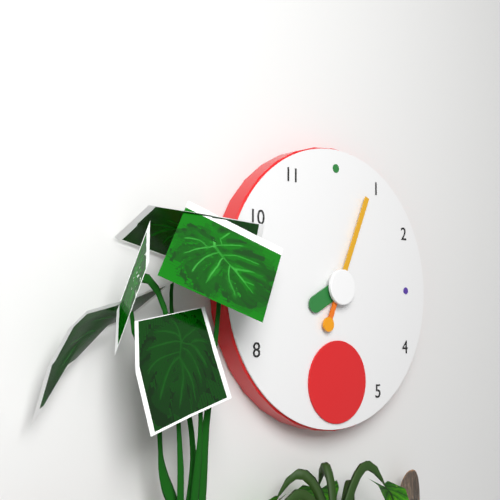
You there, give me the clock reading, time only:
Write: 8:04
